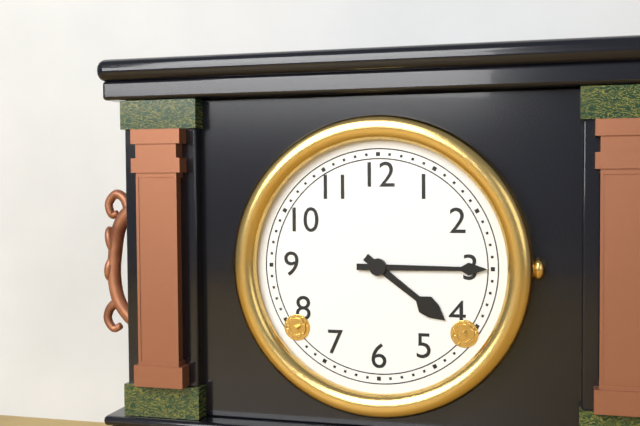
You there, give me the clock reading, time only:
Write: 4:15
